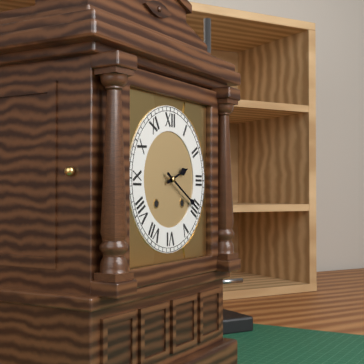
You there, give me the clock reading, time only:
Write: 2:20
